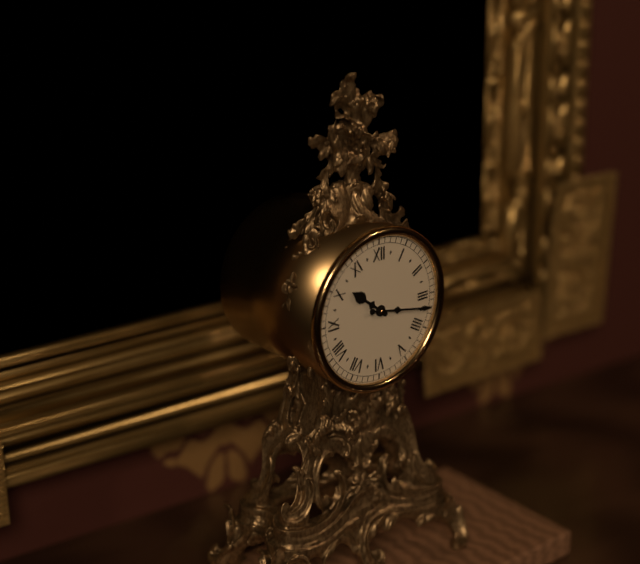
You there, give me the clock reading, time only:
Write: 10:17
